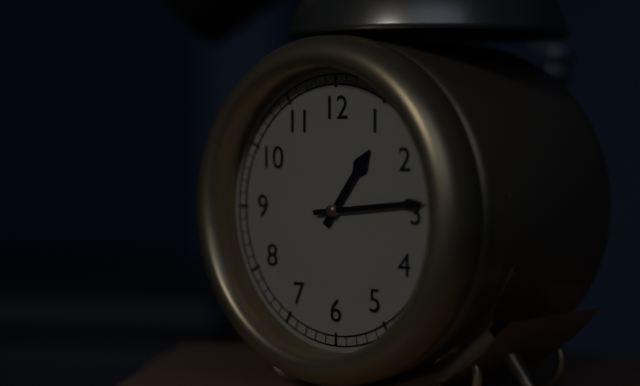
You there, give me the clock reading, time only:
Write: 1:14
